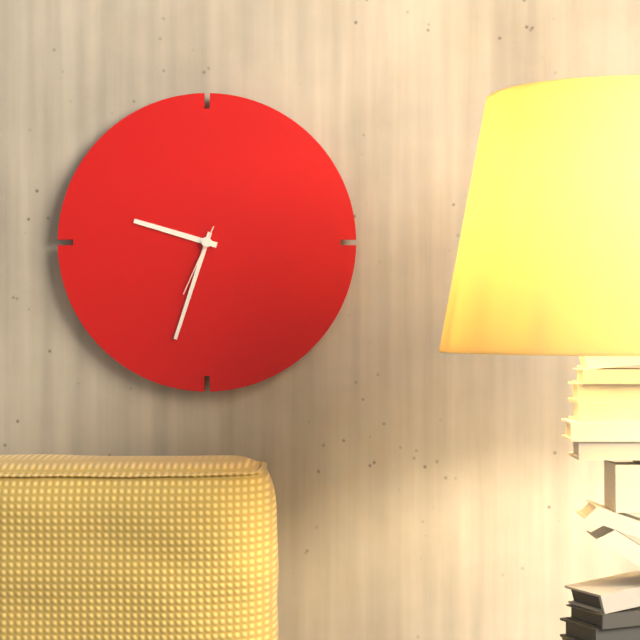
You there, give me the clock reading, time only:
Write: 9:33:34
